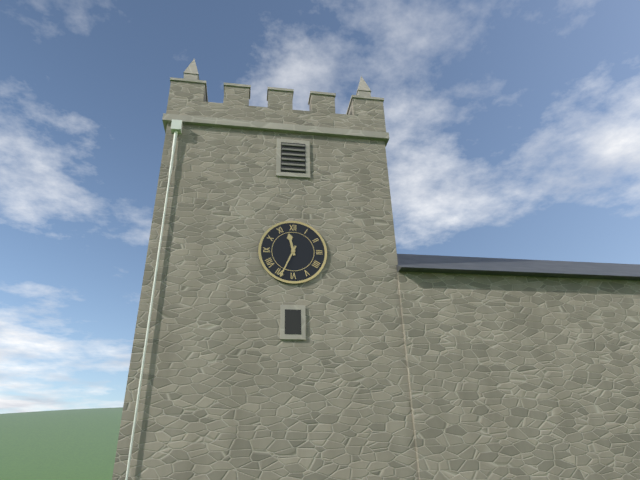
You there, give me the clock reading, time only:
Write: 11:34
